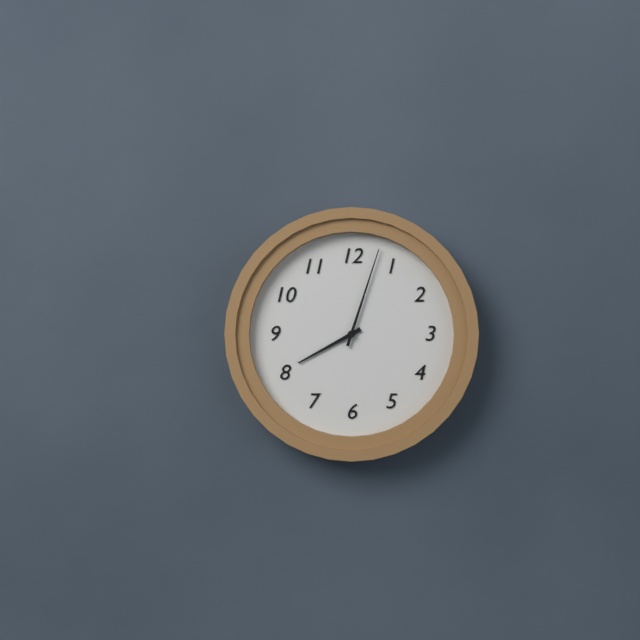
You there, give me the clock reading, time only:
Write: 8:03
